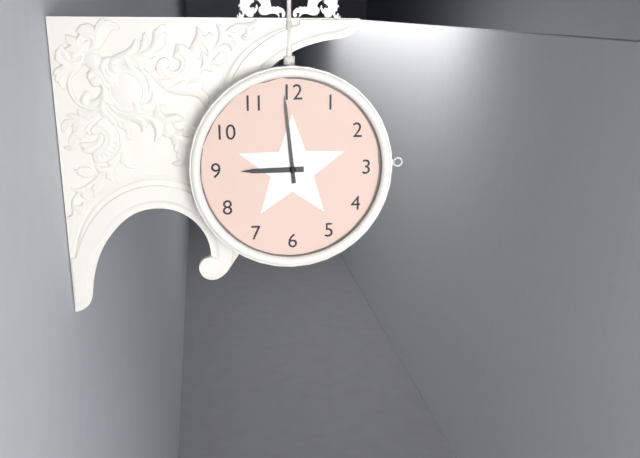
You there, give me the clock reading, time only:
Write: 8:59
